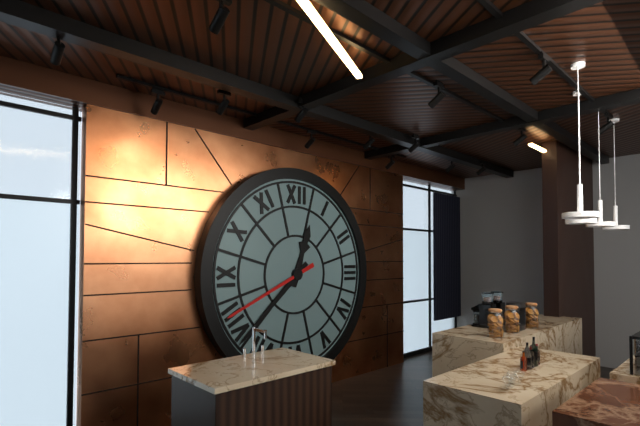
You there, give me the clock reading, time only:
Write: 12:38:41
